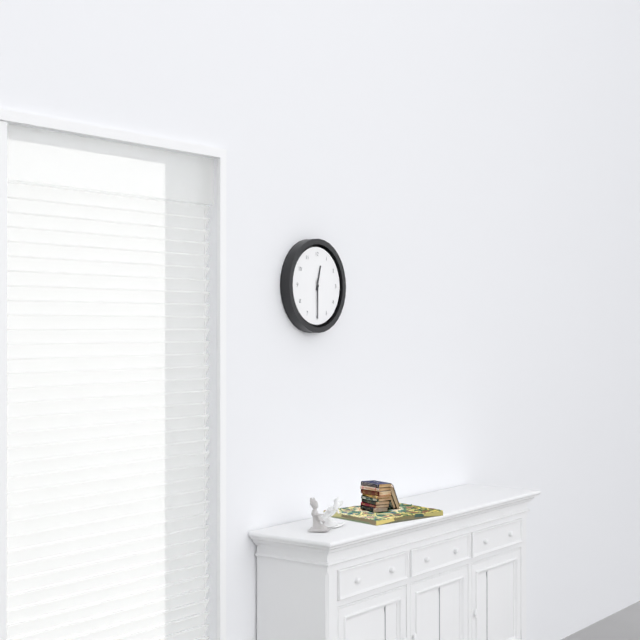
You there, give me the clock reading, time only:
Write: 12:30
